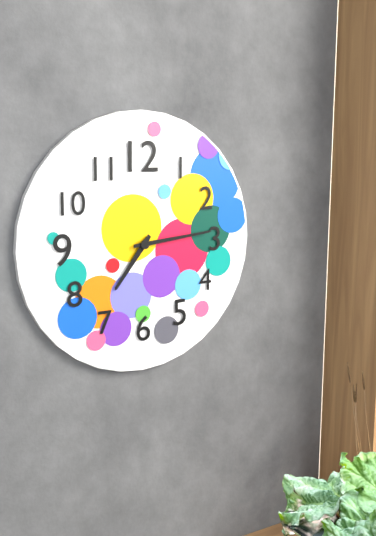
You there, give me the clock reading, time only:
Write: 7:14
